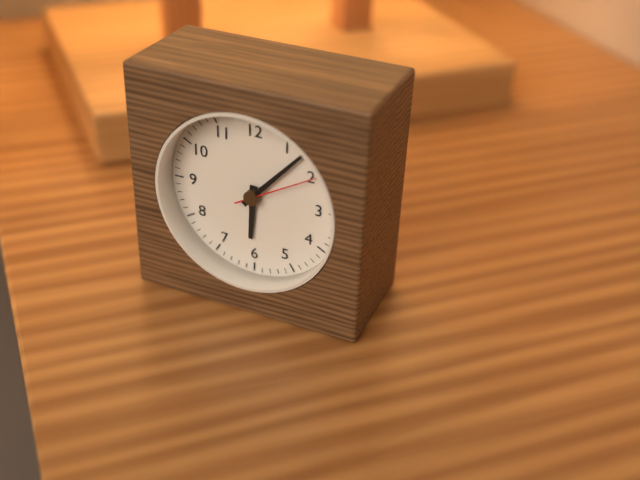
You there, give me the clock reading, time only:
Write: 6:07:10
